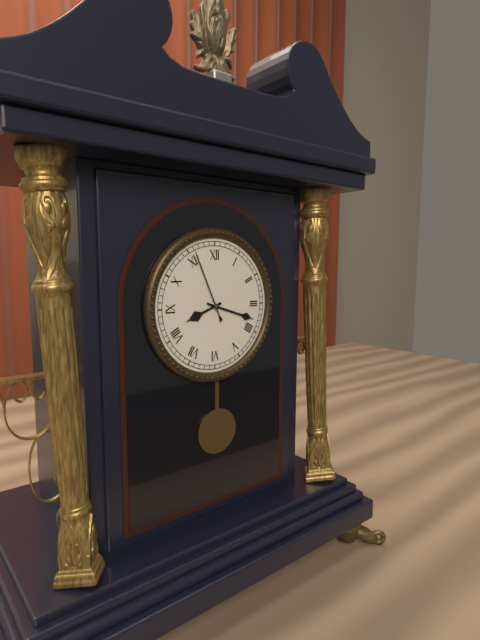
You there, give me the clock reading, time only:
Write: 8:18:56
